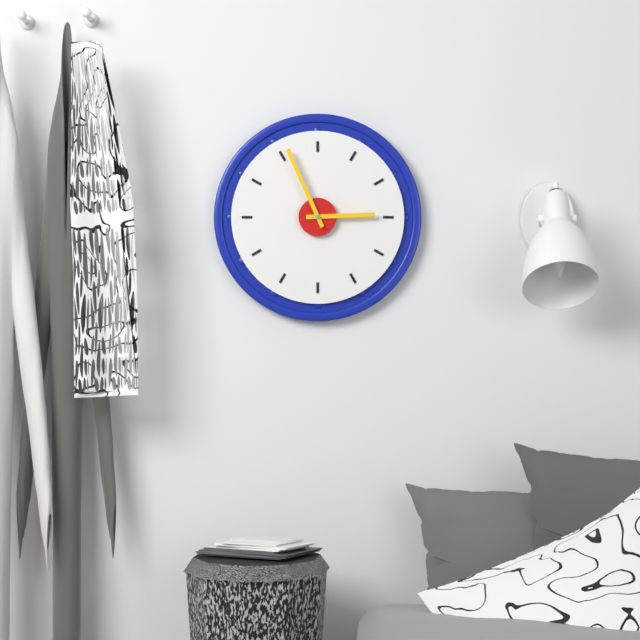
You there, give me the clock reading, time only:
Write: 2:56
